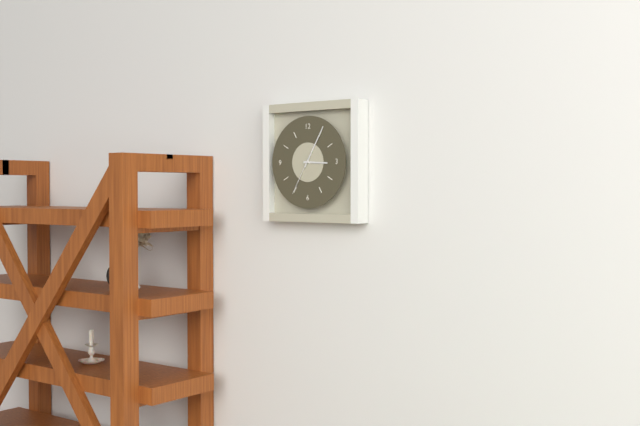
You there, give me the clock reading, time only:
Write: 3:05
